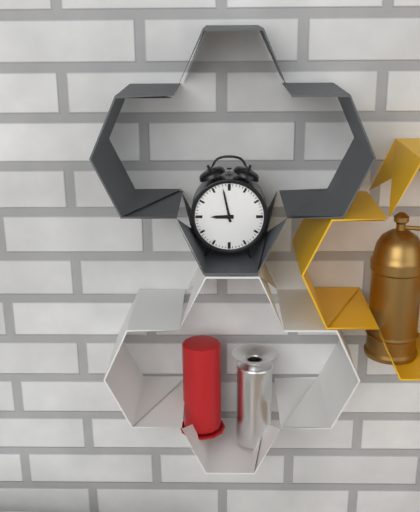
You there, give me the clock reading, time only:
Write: 8:58
